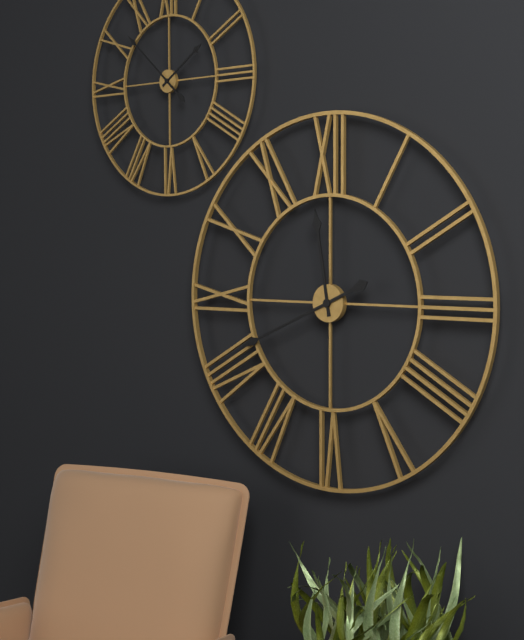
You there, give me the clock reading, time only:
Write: 11:41
